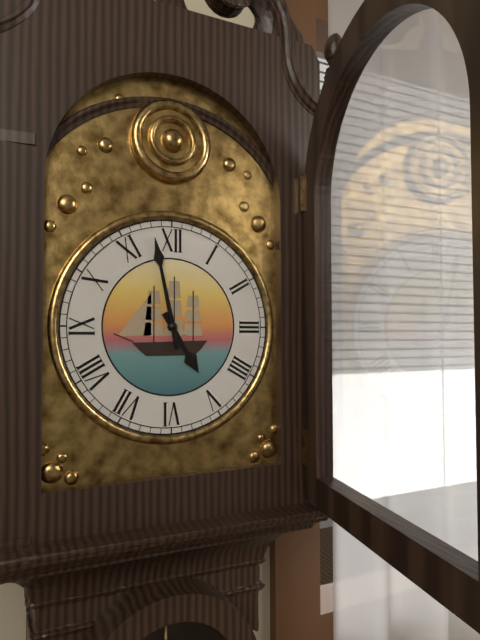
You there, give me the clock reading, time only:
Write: 4:58
